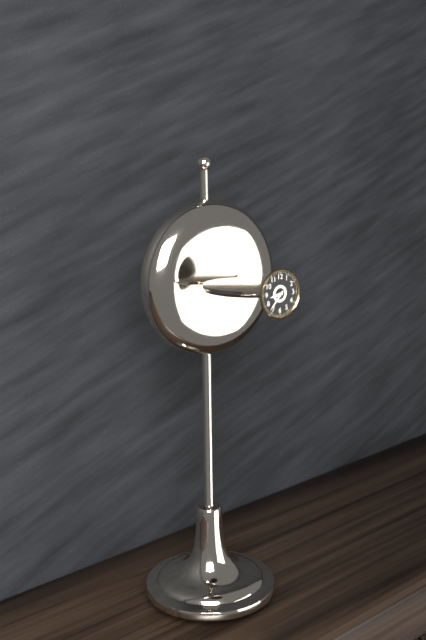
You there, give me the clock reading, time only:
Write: 8:37
